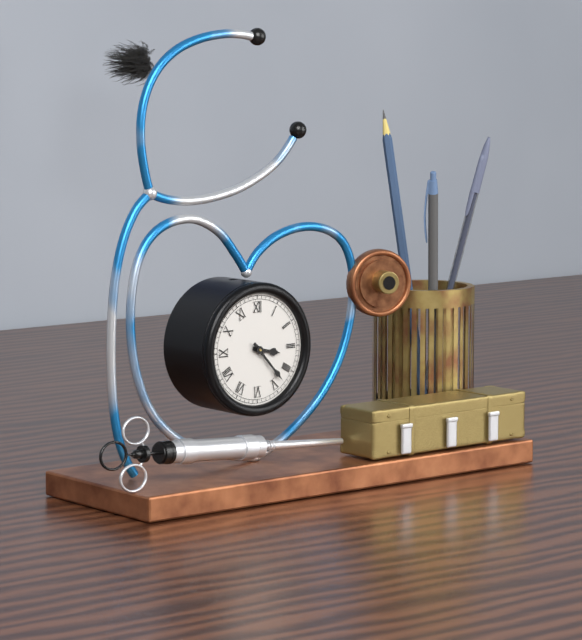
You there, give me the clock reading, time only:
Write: 3:23
